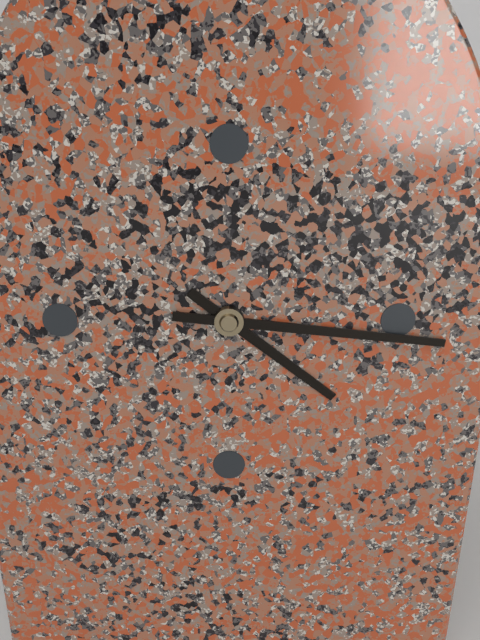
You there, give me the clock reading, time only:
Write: 4:16
